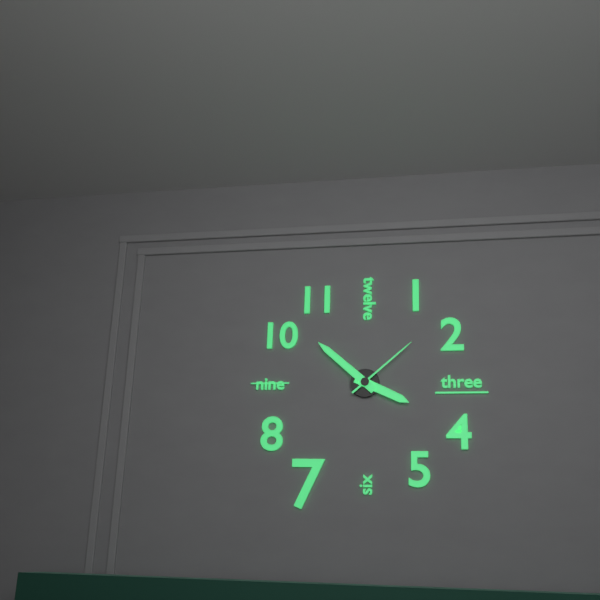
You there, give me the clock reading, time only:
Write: 3:52:08
